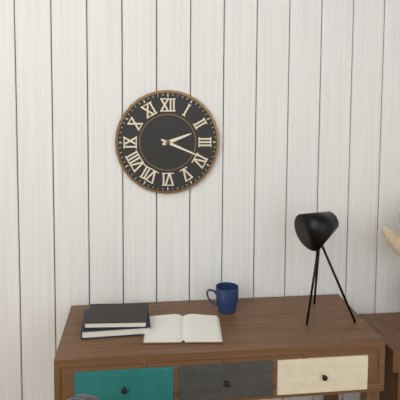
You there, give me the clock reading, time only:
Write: 2:19
